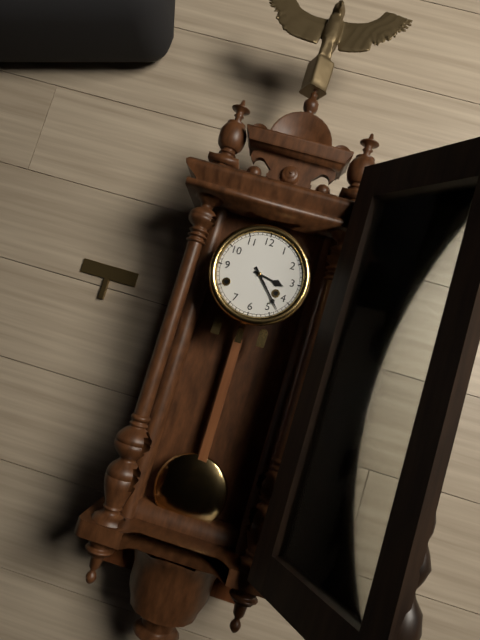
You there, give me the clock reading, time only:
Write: 3:23
